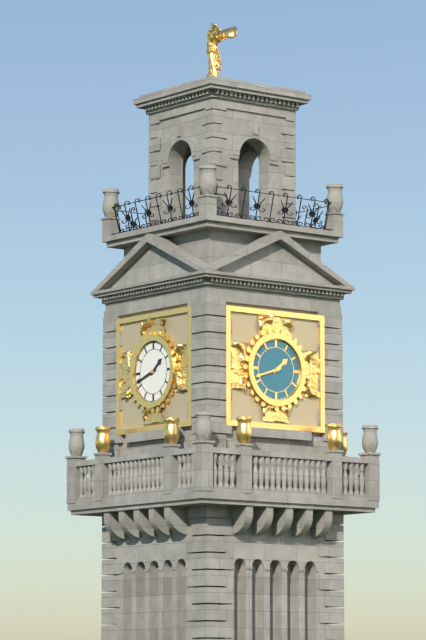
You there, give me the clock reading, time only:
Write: 1:42
